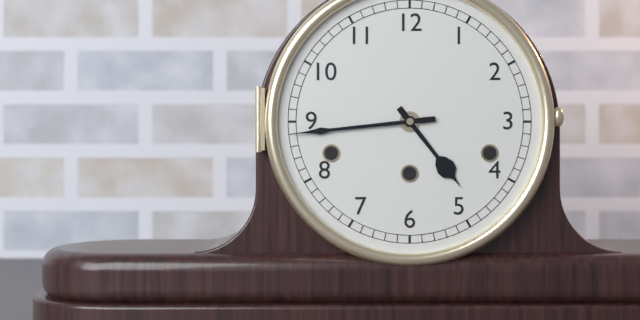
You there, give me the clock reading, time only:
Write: 4:44
